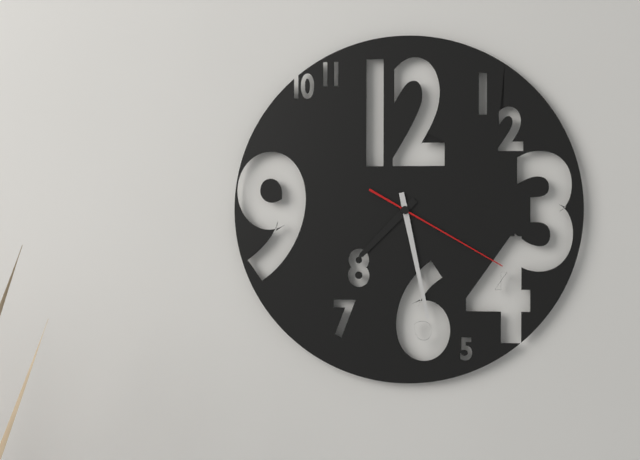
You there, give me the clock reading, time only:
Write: 7:28:20
